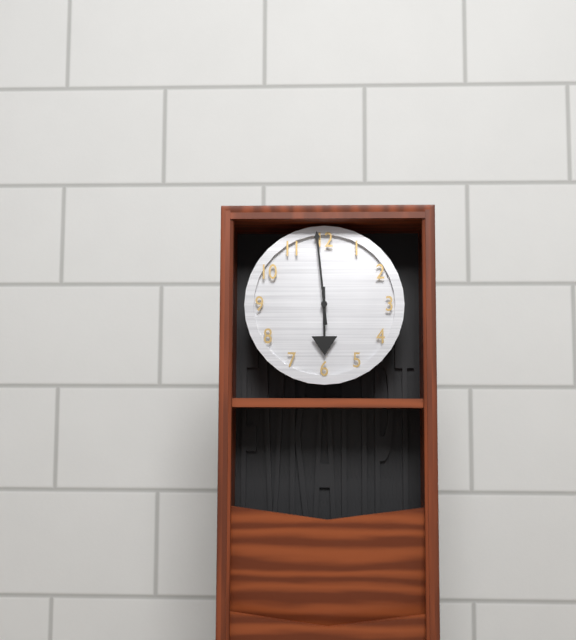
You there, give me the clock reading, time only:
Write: 5:59
